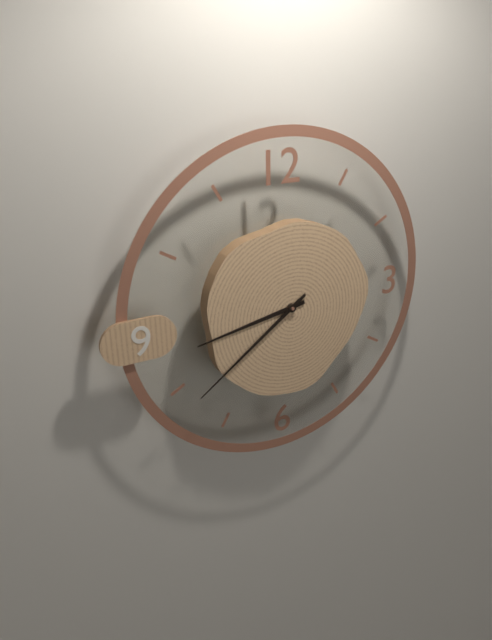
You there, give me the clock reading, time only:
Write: 8:39
